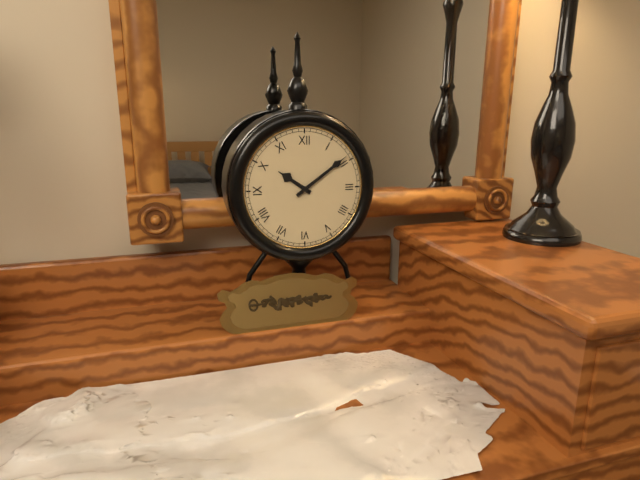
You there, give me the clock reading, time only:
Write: 10:09
